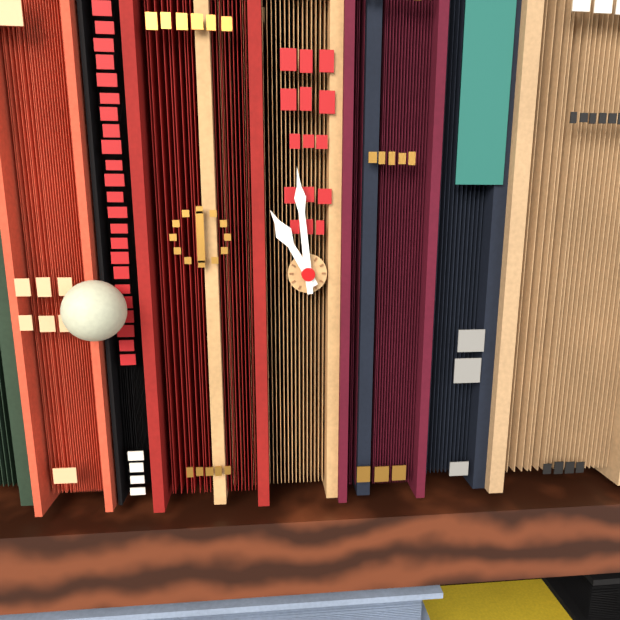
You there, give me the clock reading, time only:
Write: 10:59
